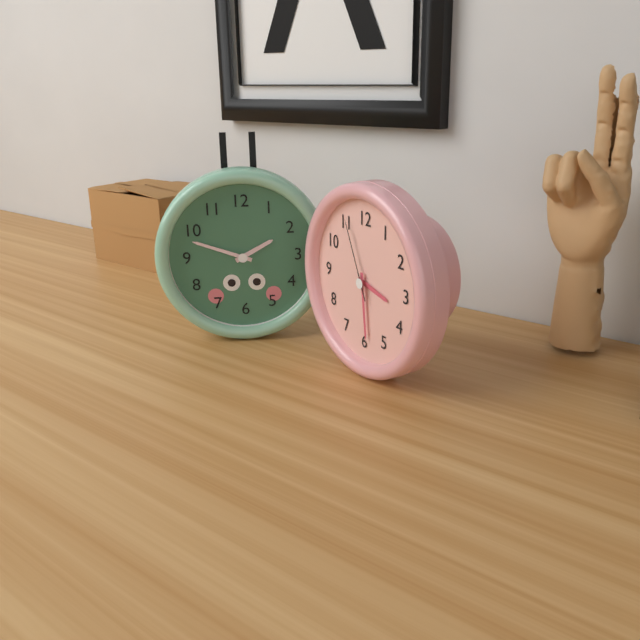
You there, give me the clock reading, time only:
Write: 3:29:56
